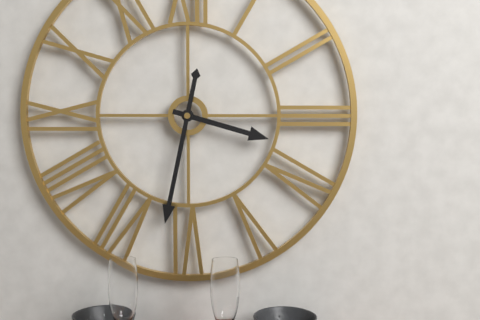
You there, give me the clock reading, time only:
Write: 3:32
